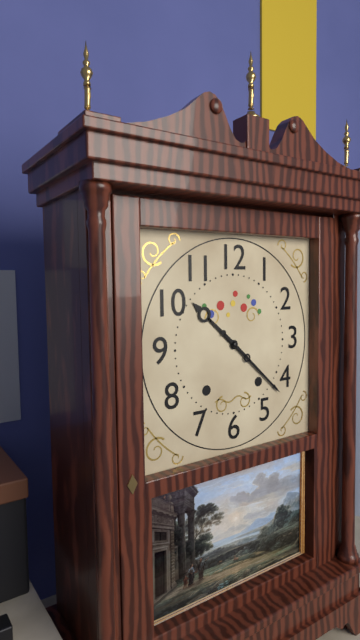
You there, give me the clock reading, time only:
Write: 10:22
